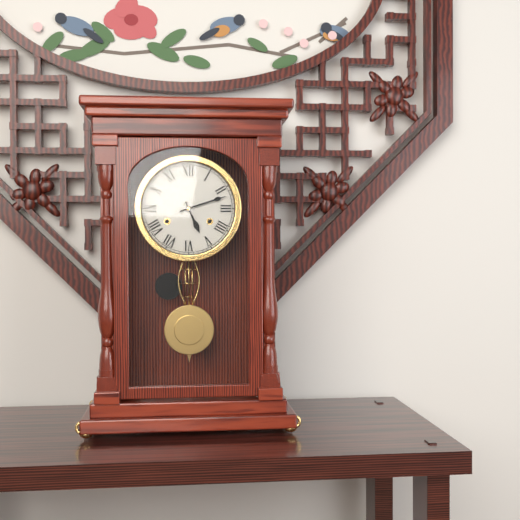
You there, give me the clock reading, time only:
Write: 5:12
